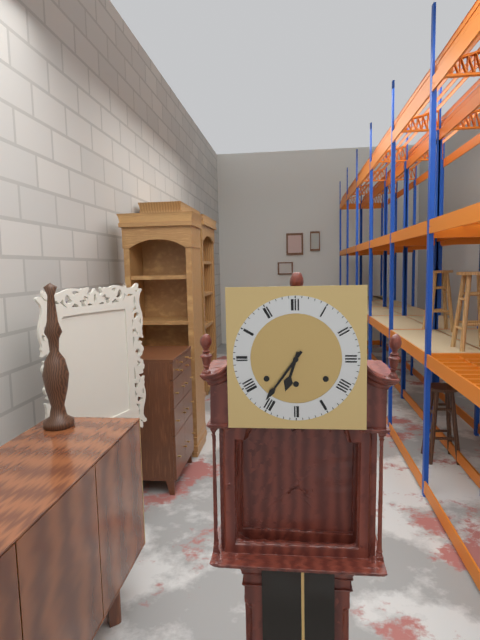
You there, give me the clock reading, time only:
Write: 6:36
